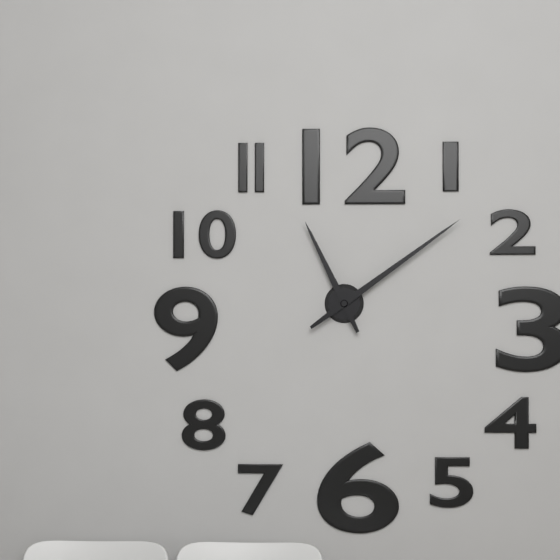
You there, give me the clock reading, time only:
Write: 11:09
